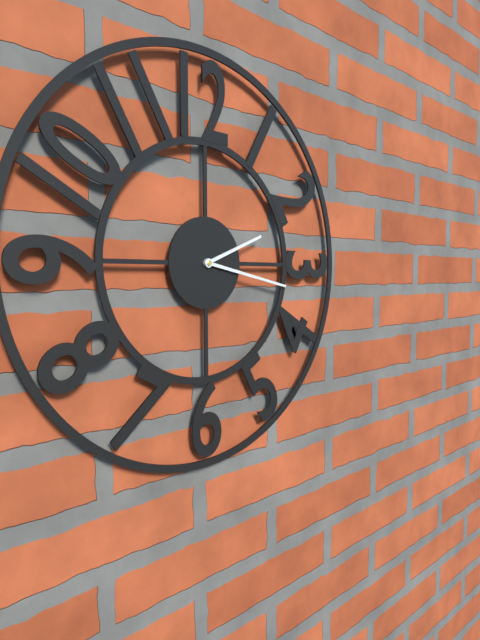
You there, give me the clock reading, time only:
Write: 2:17
